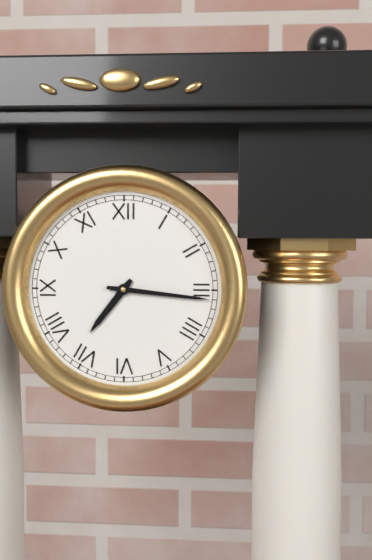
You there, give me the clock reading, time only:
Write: 7:16
